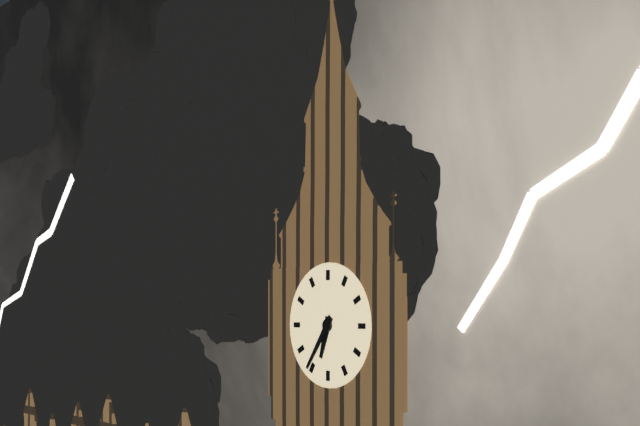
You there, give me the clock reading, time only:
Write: 6:36
